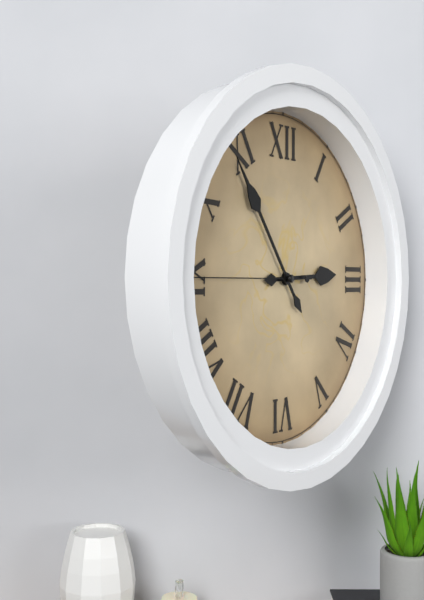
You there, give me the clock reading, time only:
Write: 2:54:45
